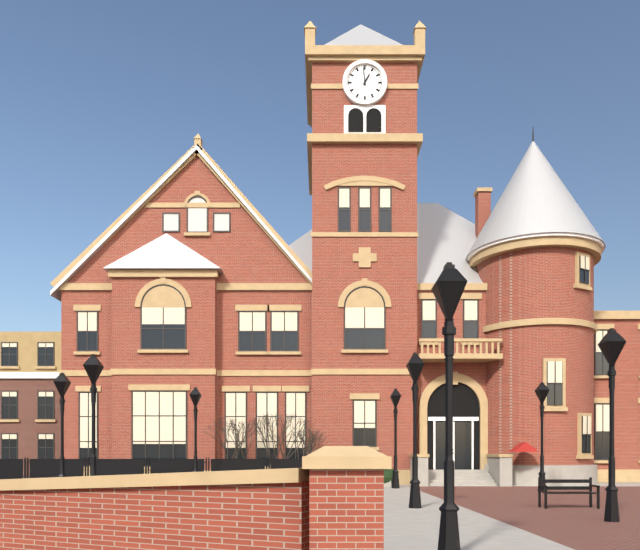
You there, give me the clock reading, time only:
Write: 12:59
